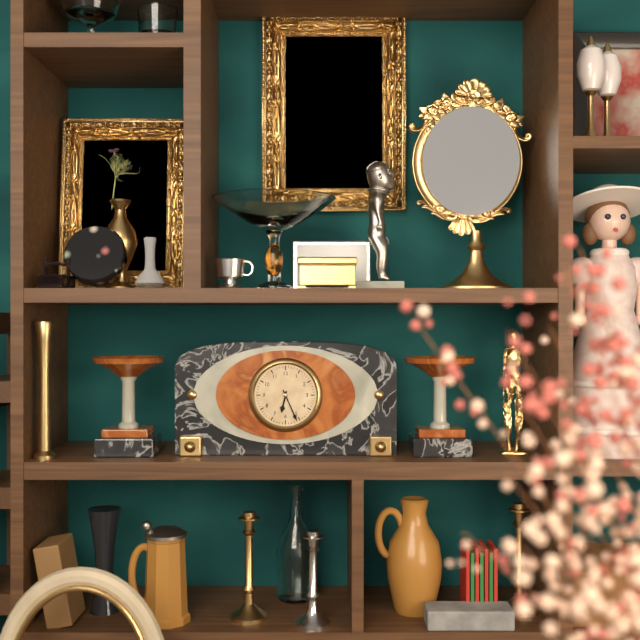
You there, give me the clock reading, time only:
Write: 6:26
